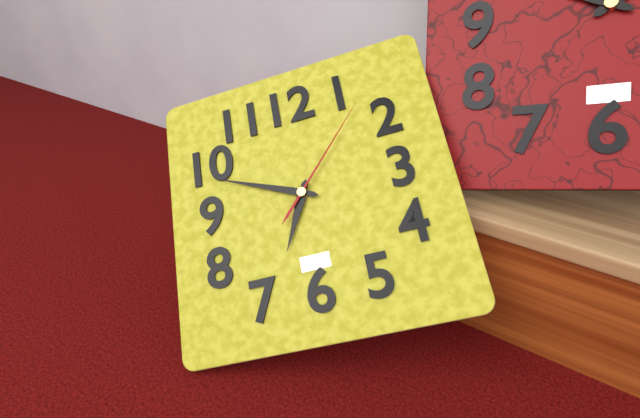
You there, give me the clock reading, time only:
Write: 6:49:07
